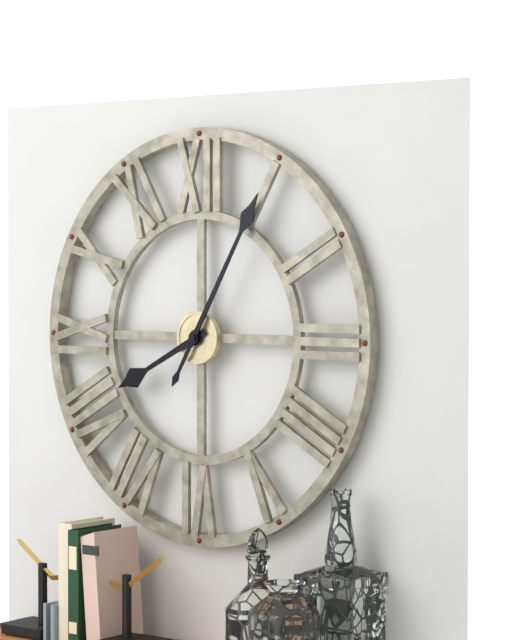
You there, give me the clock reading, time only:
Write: 8:05
